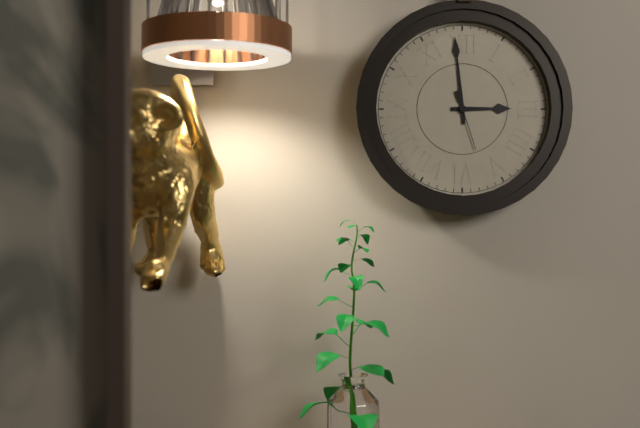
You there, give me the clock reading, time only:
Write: 2:59:27
